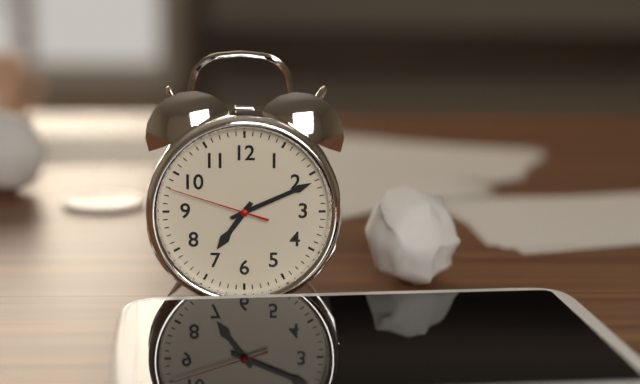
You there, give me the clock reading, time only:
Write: 7:11:48
